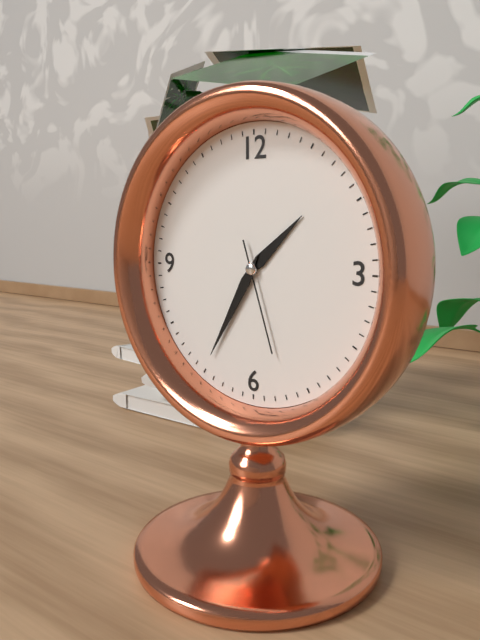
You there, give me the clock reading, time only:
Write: 1:35:27
